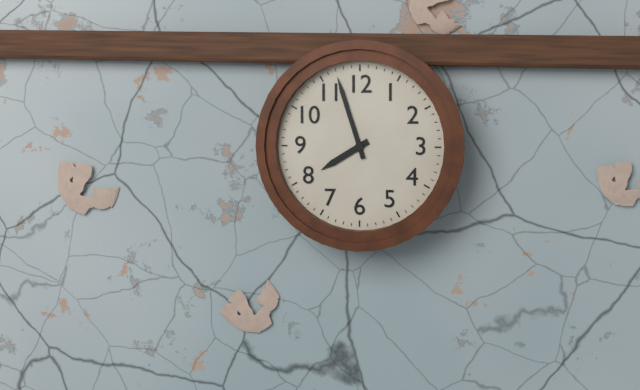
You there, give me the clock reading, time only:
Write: 7:57
